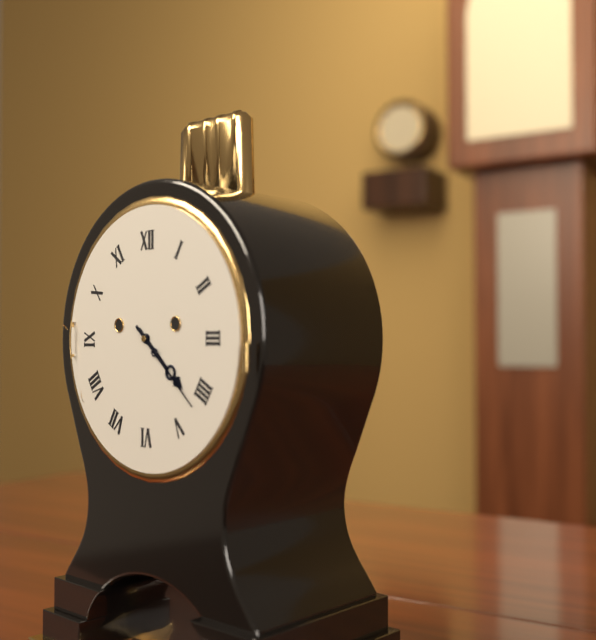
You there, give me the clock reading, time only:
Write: 4:22
